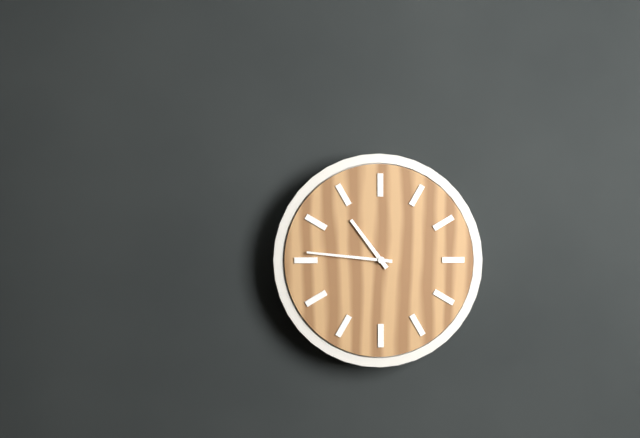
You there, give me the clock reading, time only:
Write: 10:46
